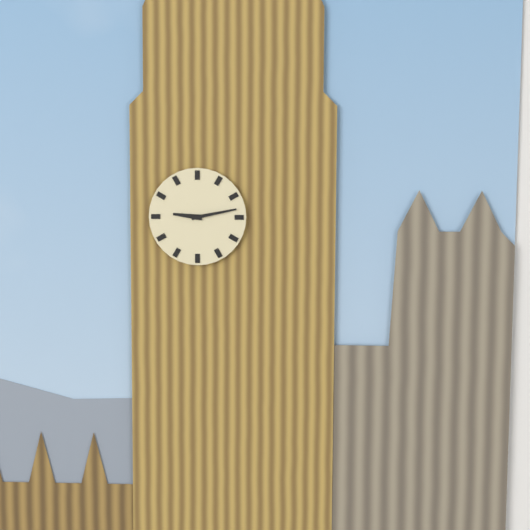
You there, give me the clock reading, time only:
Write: 9:13
